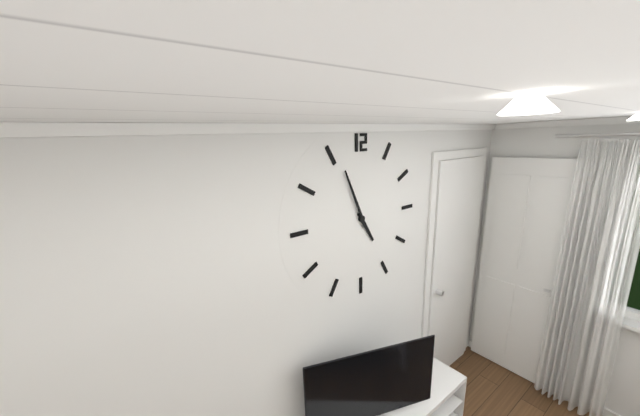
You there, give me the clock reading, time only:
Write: 4:56
